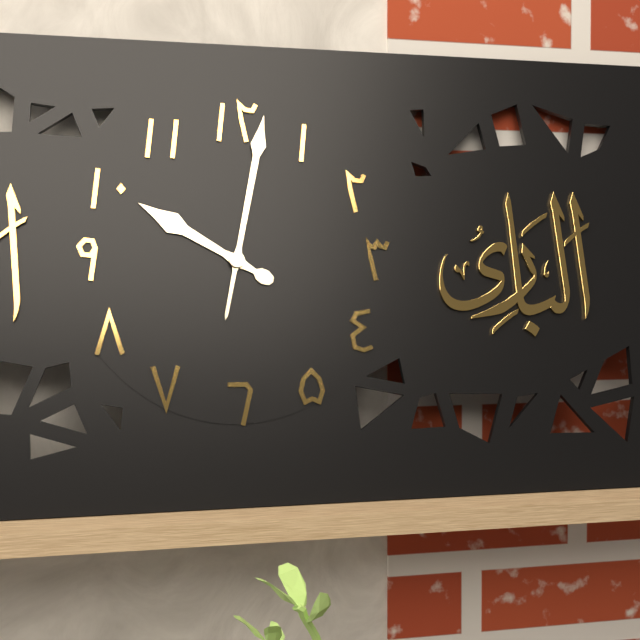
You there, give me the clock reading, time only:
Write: 10:02
